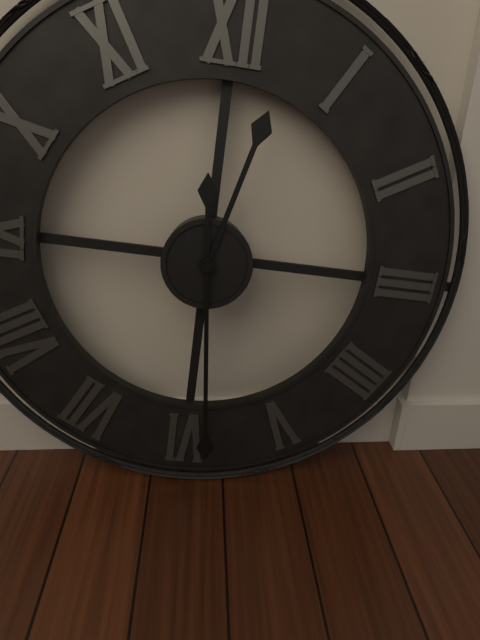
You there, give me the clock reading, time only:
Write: 12:29
